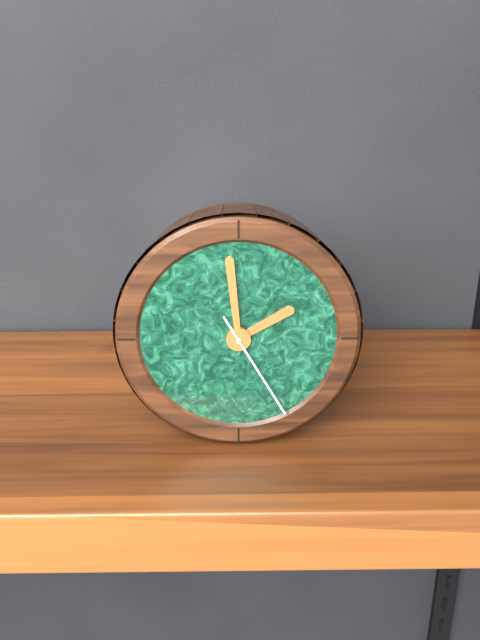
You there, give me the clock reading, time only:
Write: 1:59:25
